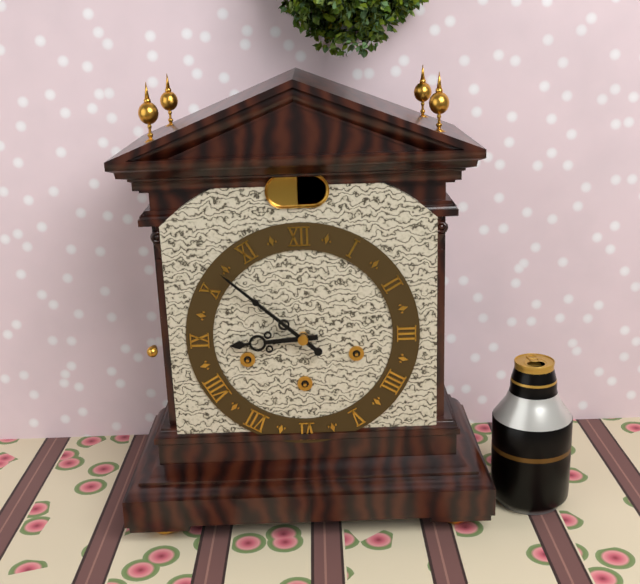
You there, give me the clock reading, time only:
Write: 8:52
